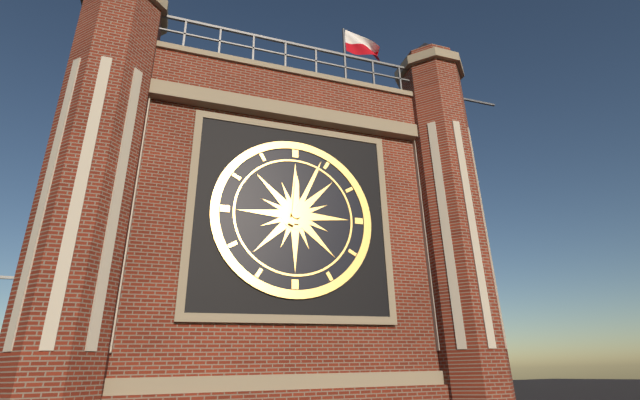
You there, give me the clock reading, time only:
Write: 12:04
